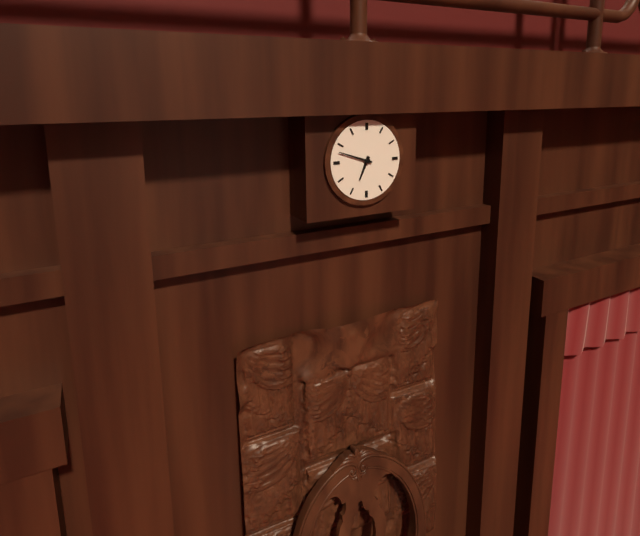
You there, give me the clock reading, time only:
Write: 6:48
